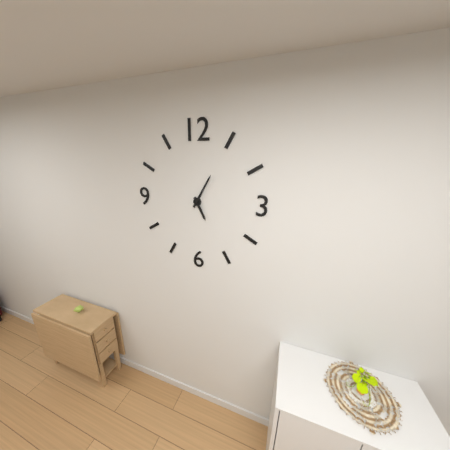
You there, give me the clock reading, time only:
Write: 5:05
